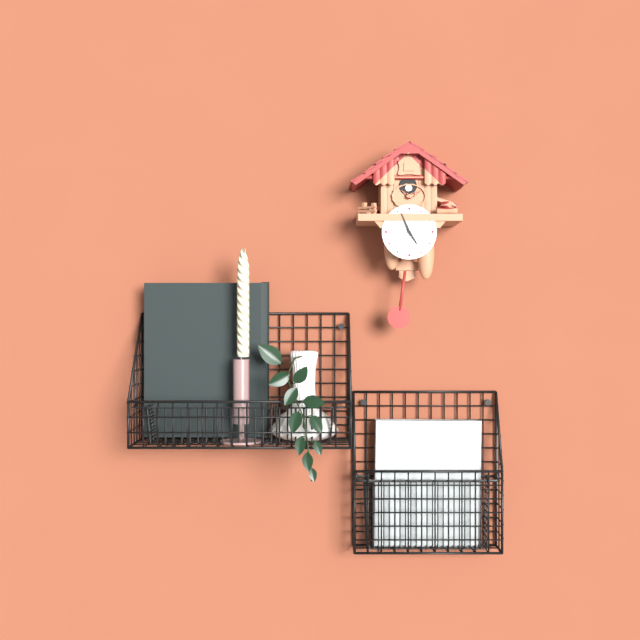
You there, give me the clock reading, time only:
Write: 4:56
